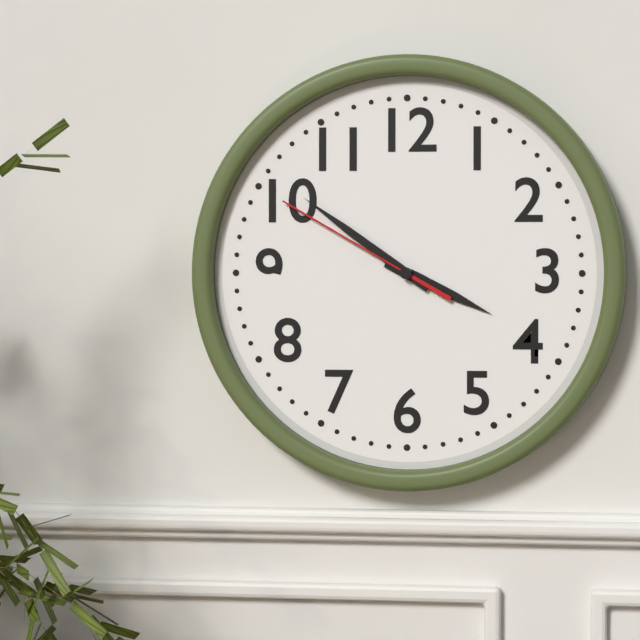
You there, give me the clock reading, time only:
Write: 3:51:50
